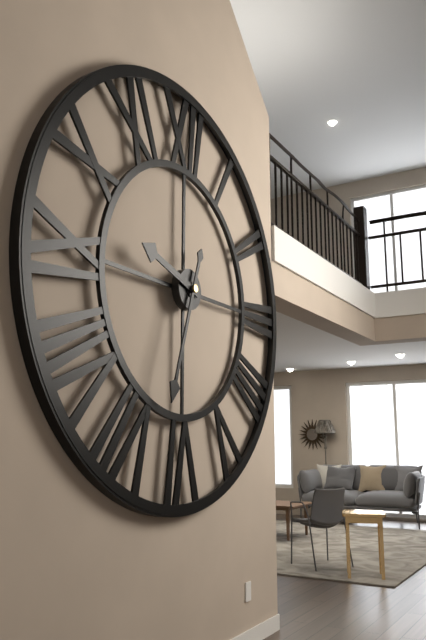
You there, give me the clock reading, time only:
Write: 9:33
